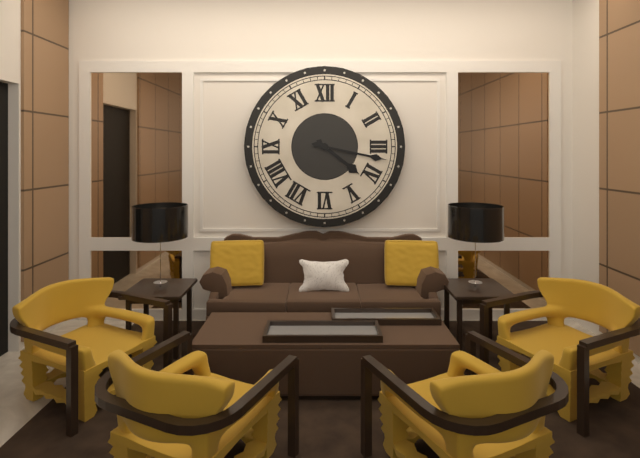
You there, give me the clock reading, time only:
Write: 4:17
